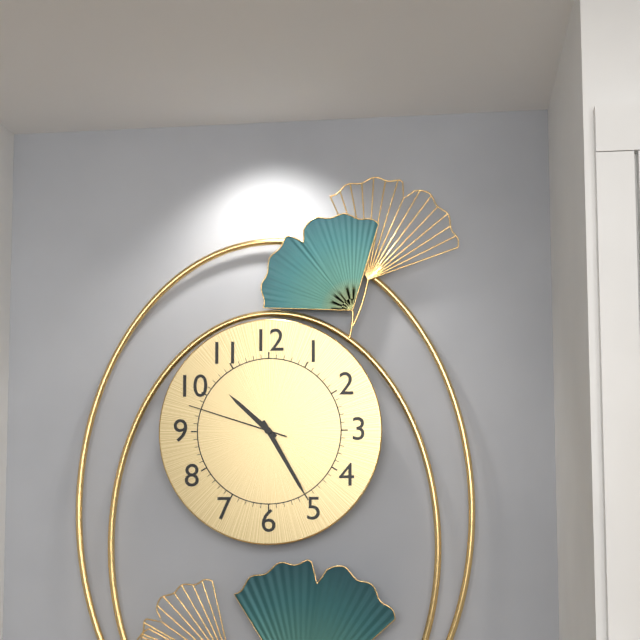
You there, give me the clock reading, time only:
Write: 10:25:48
